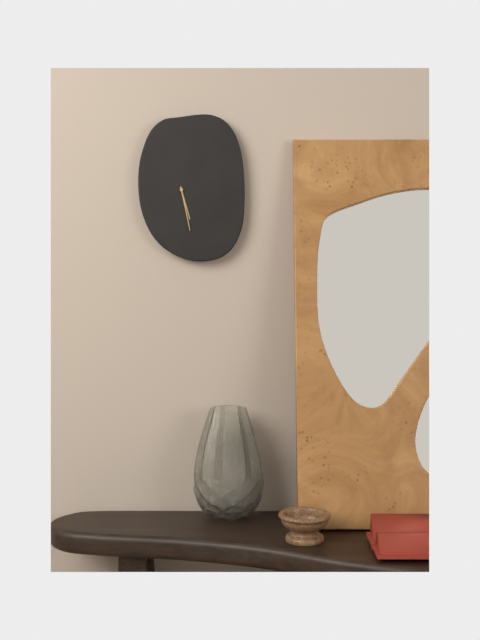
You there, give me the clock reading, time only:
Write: 5:28
